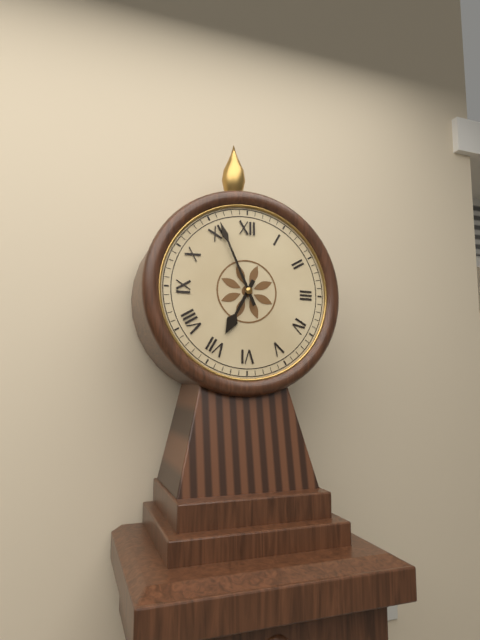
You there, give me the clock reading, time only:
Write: 6:56
